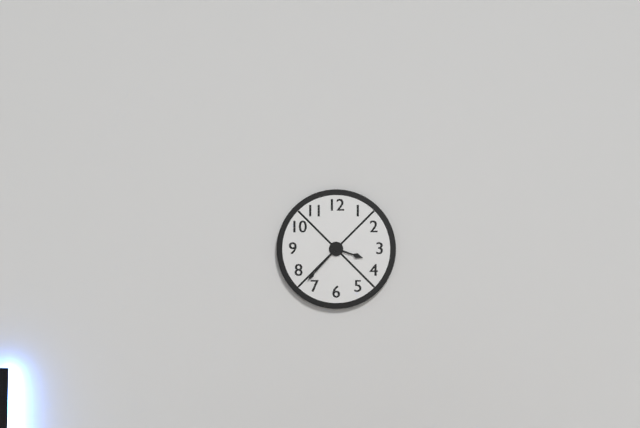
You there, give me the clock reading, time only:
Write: 3:37
